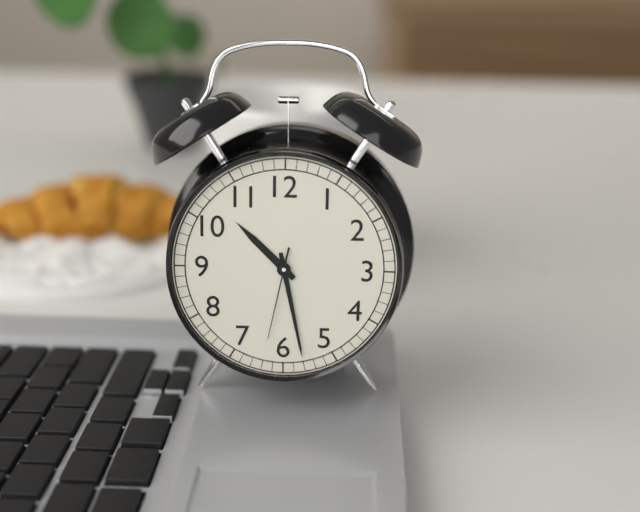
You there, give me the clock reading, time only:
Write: 10:28:32
